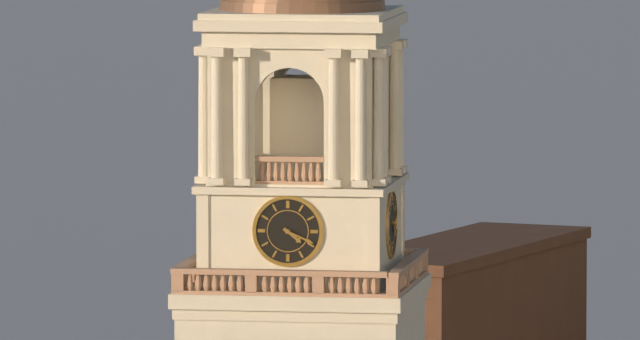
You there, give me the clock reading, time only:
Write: 4:19
